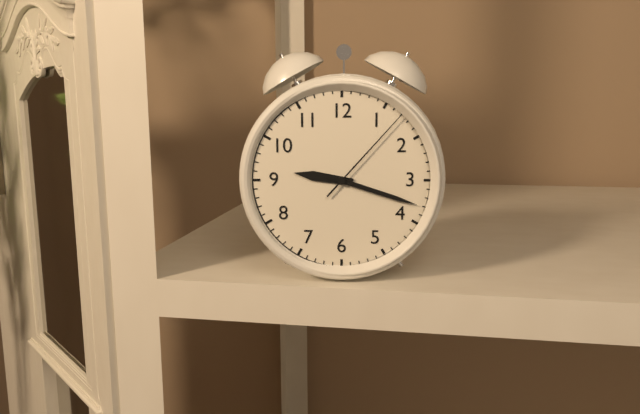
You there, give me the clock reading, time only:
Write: 9:18:07
